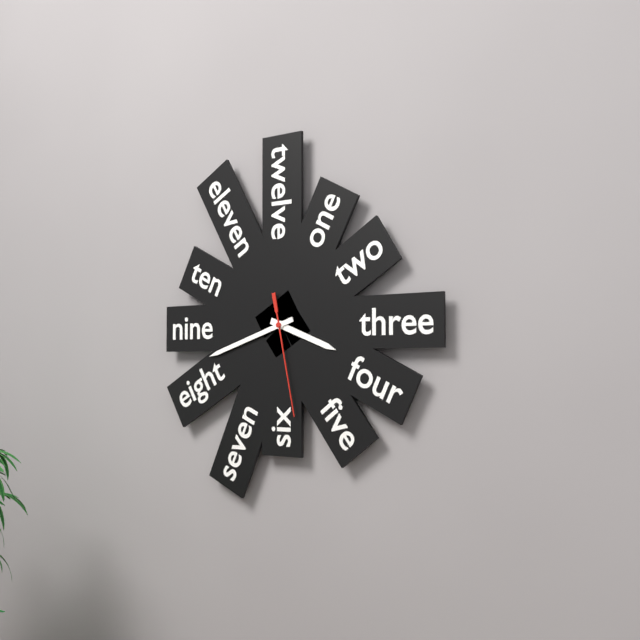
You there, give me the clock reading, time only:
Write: 3:42:28
